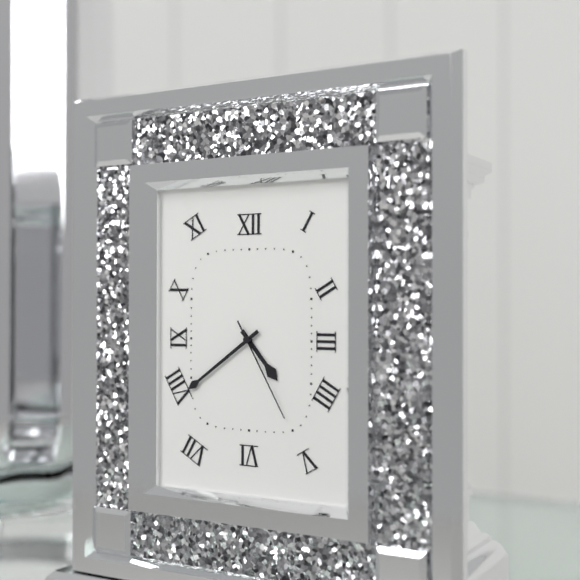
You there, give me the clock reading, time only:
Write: 4:39:25
